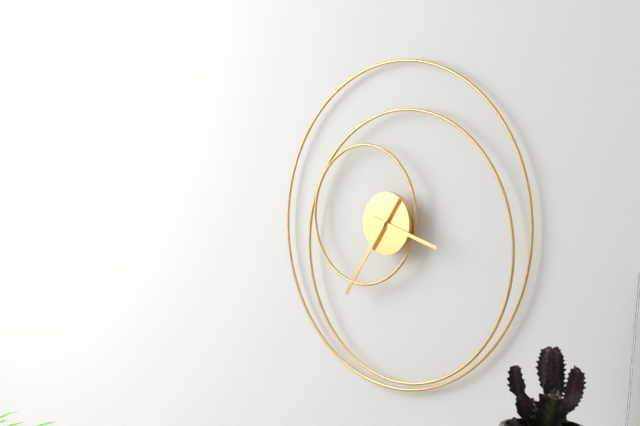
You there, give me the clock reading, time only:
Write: 3:36
